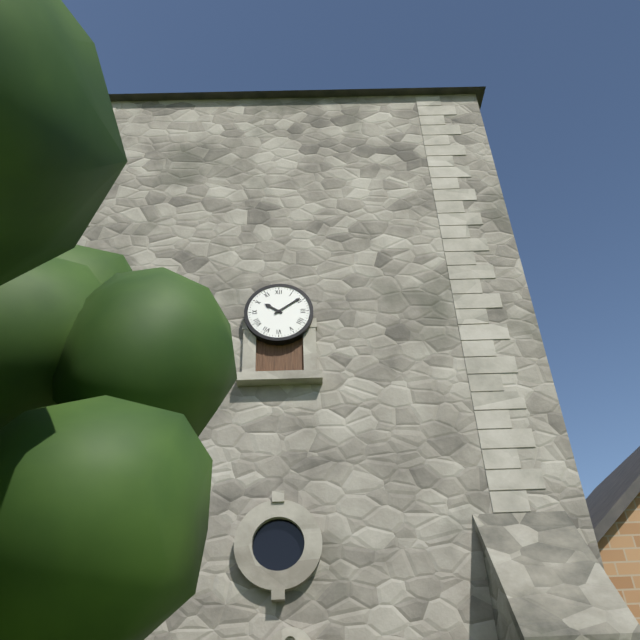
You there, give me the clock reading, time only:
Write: 10:09
